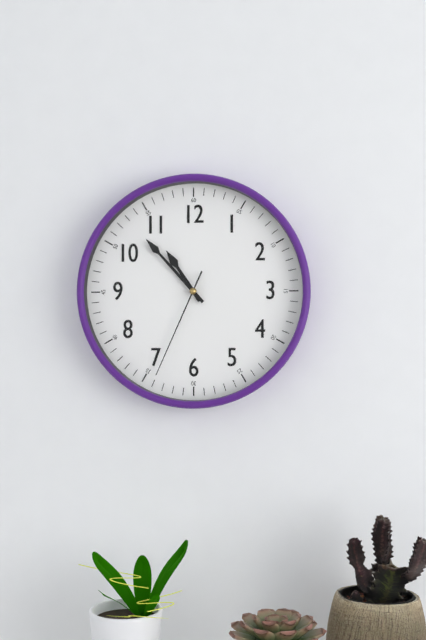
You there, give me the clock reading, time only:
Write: 10:53:34
